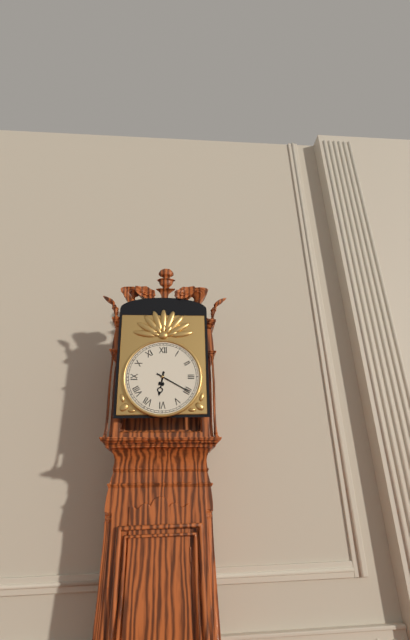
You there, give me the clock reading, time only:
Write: 6:20
